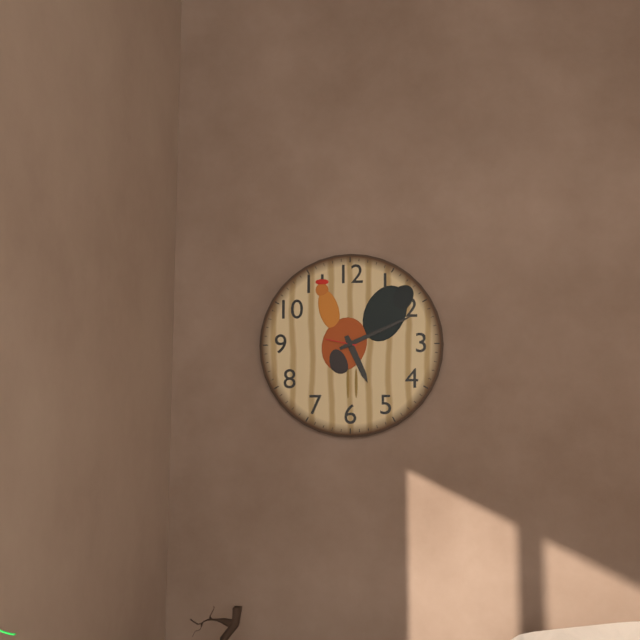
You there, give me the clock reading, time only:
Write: 5:11
